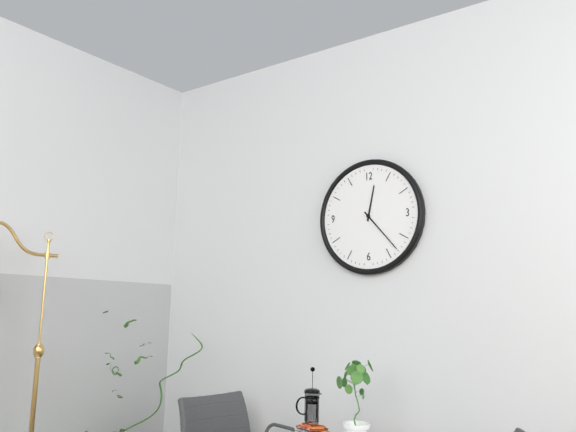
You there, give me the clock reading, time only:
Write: 12:23
